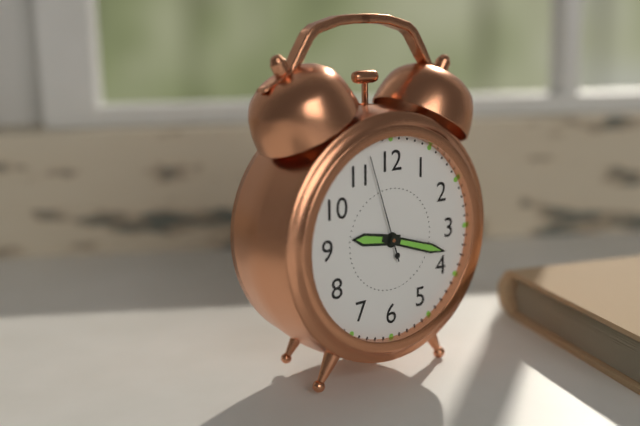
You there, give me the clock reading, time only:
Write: 9:18:57
